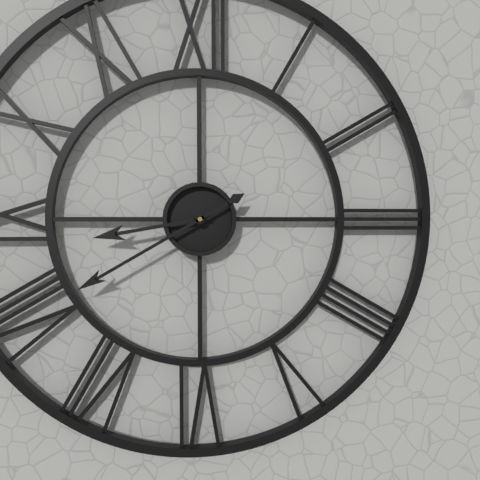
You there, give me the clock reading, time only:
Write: 8:40
